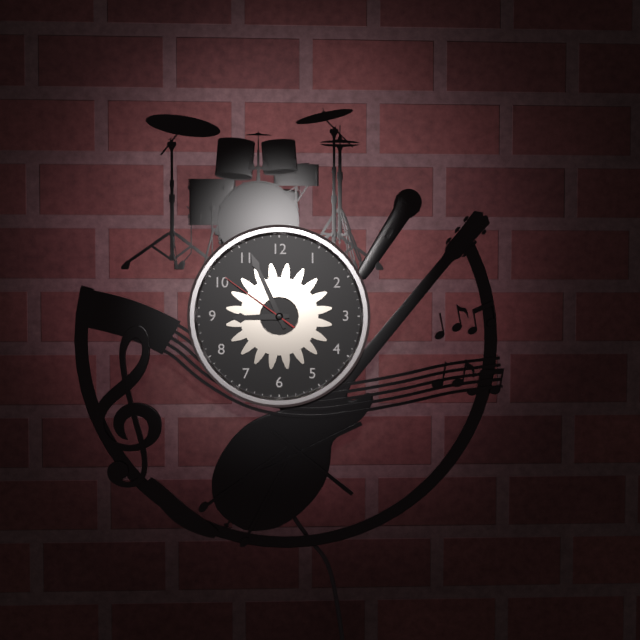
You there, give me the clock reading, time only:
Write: 8:56:51
